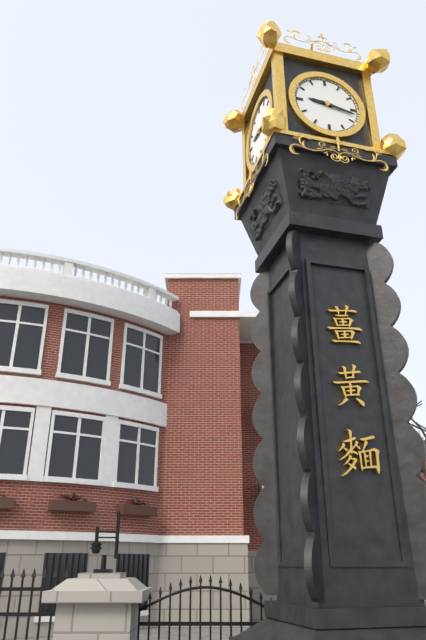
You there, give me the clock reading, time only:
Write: 9:17
